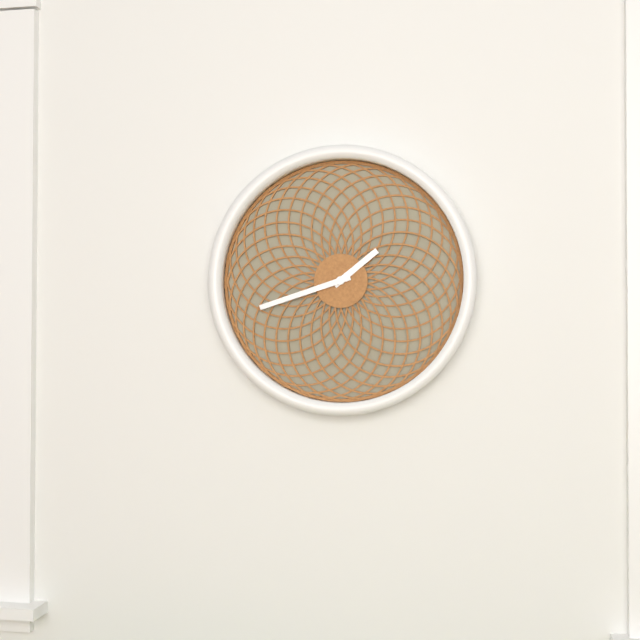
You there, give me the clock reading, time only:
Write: 1:42
